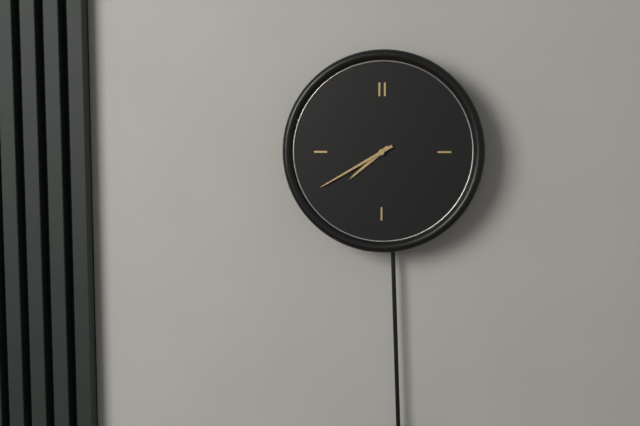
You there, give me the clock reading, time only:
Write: 7:40
